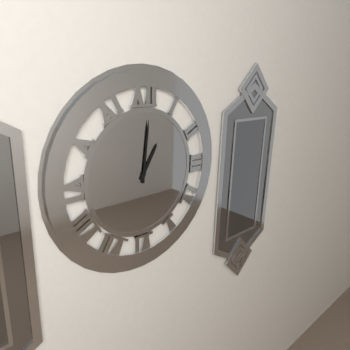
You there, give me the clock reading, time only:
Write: 1:01
